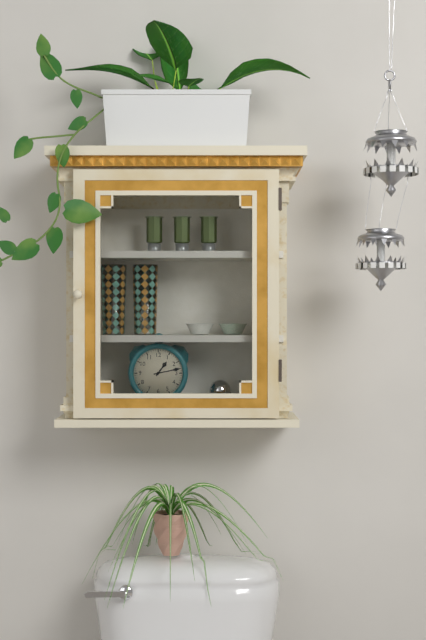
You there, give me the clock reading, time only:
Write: 1:13
